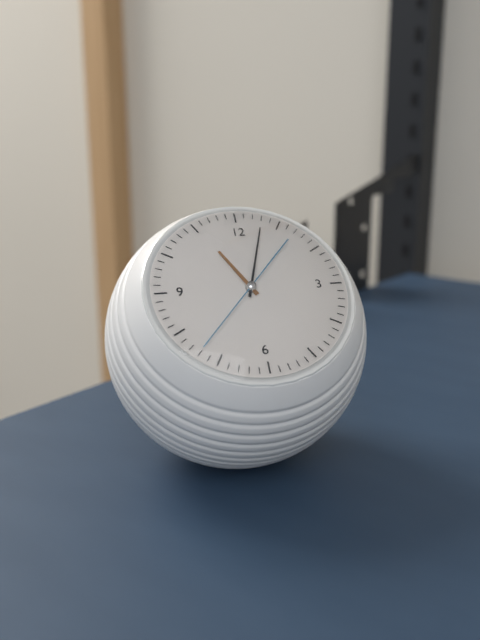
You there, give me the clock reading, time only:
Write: 11:03:37
